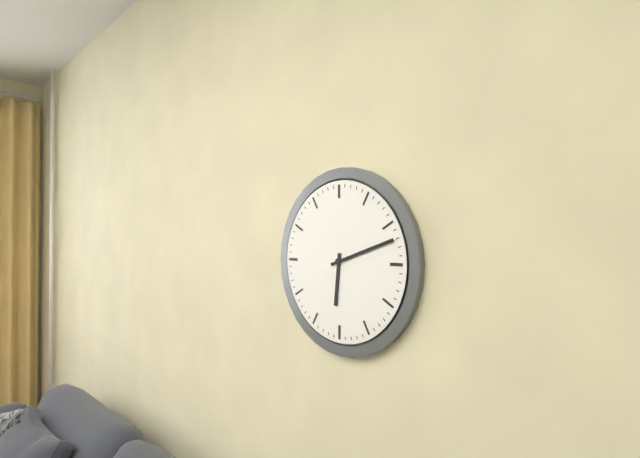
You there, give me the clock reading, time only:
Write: 6:12
